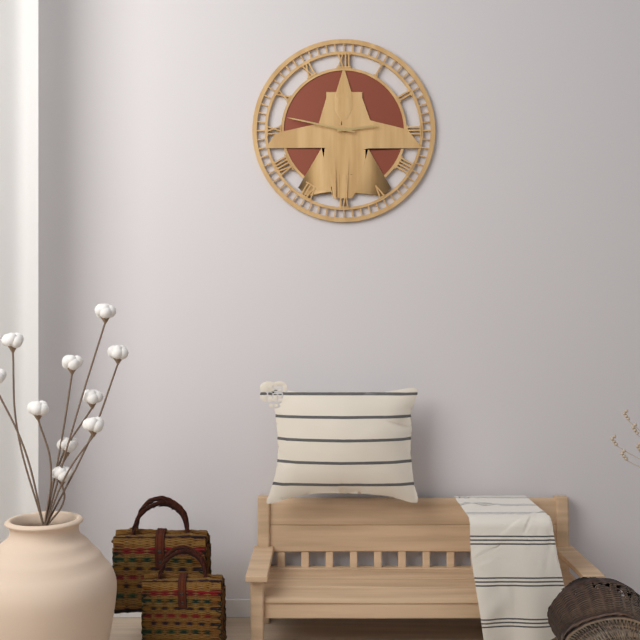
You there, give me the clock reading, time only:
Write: 2:47
